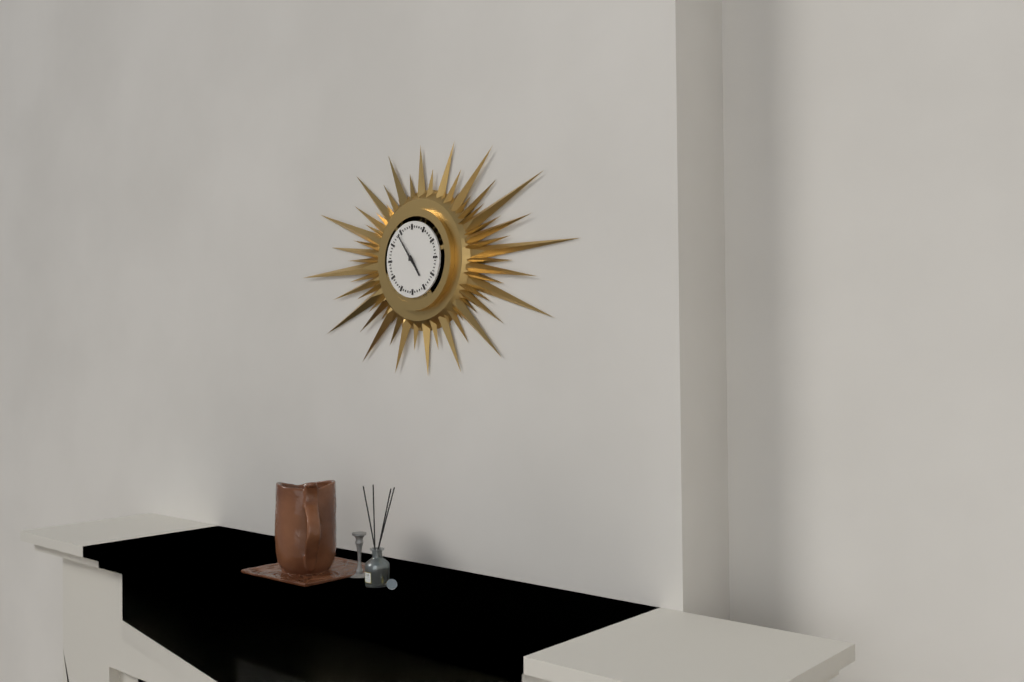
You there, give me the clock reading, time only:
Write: 4:54
